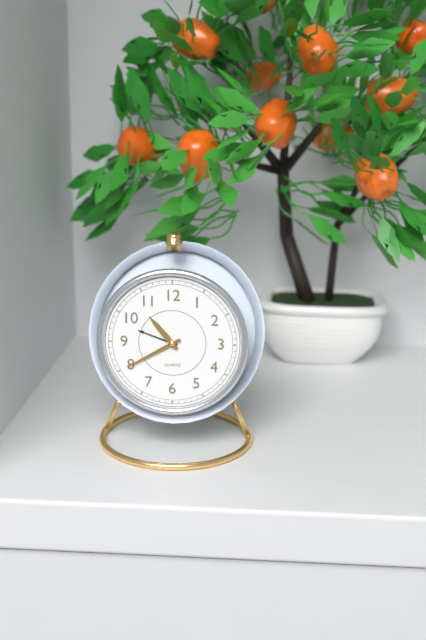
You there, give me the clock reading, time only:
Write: 10:40
